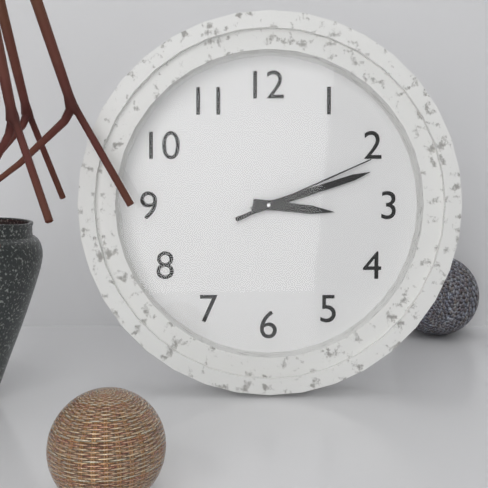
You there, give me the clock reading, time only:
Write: 3:12:11
